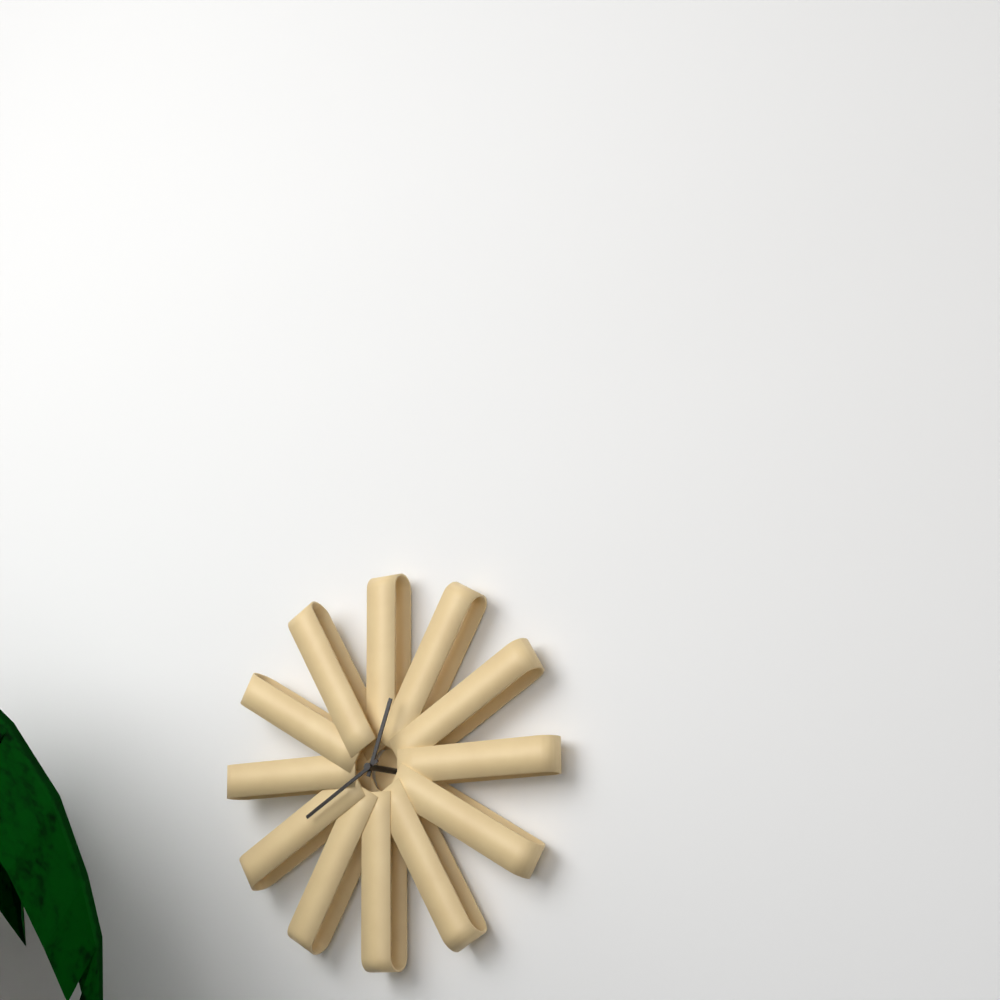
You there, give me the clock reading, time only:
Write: 12:40
